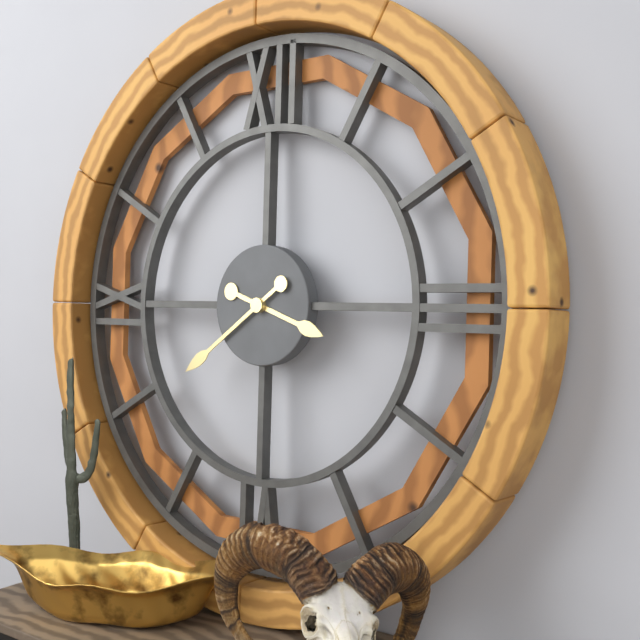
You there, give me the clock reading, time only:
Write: 3:39
